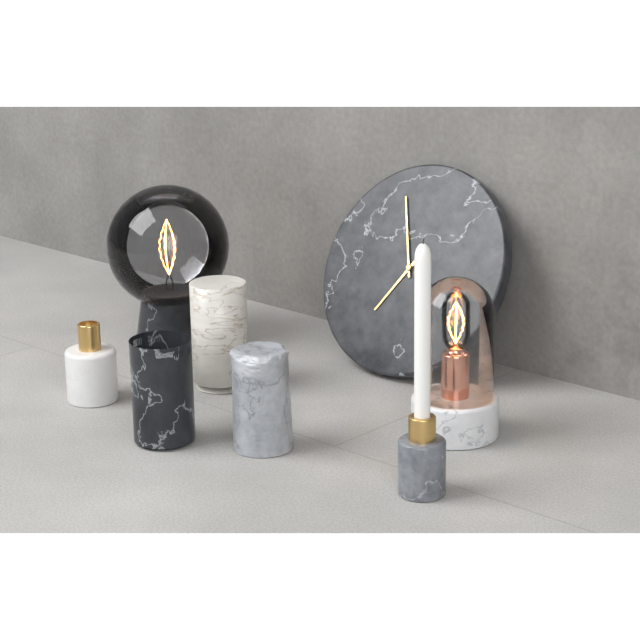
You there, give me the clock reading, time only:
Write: 6:56
